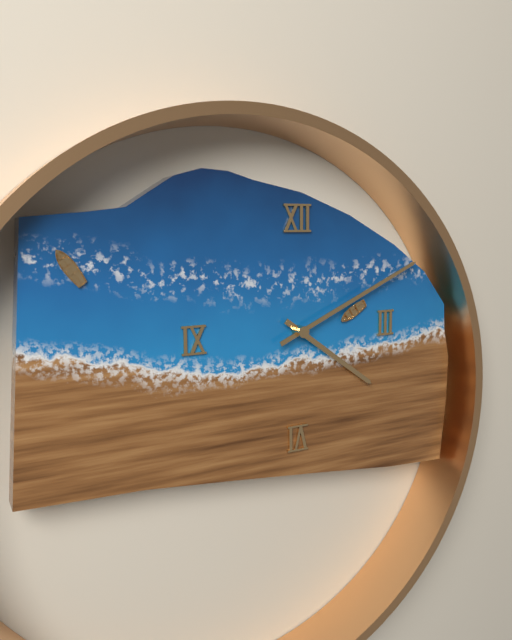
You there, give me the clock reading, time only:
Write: 4:11
